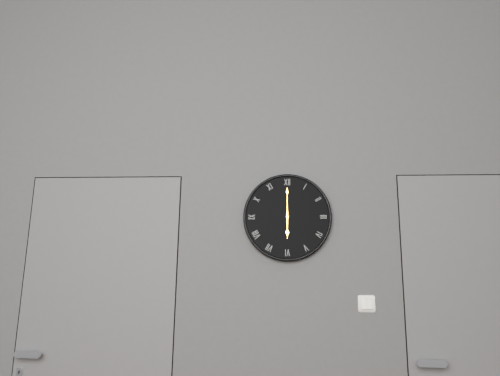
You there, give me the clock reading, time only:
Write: 6:00
